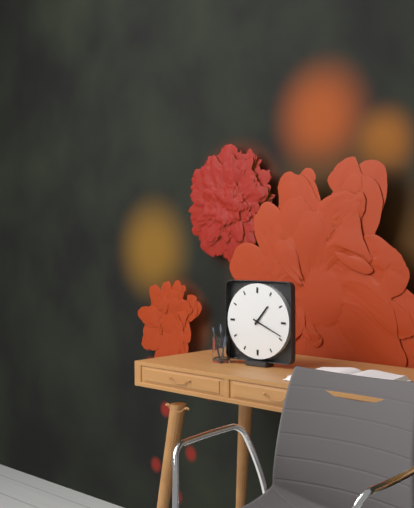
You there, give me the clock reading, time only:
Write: 1:19
